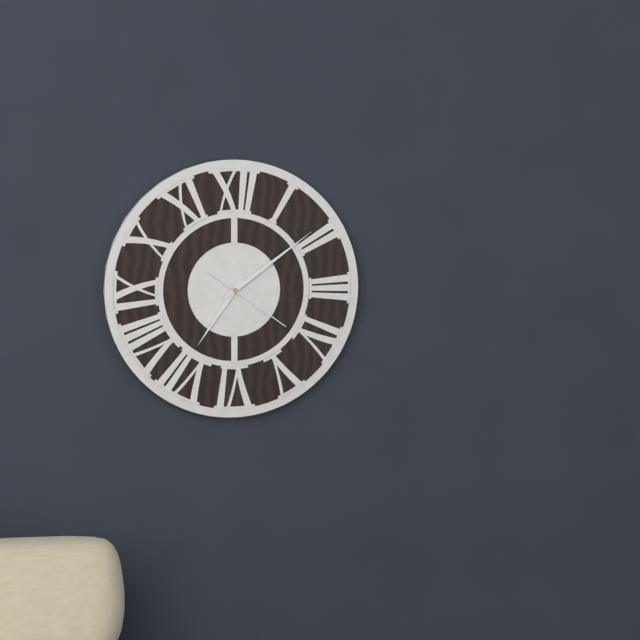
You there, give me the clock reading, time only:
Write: 7:09:21
